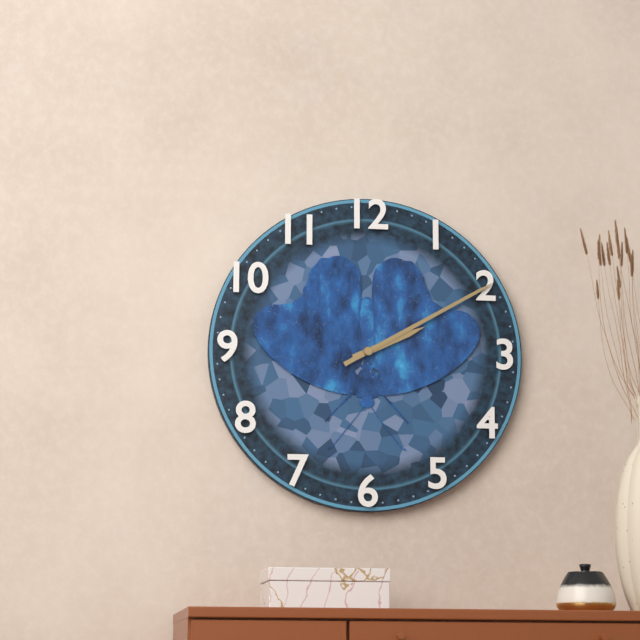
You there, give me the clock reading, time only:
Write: 2:10
